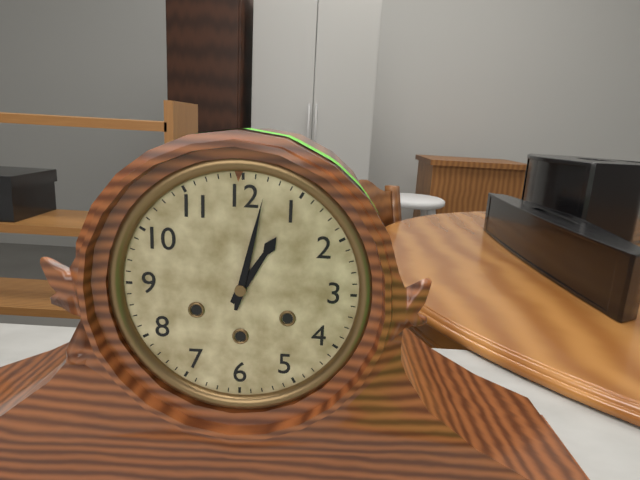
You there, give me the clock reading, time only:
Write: 1:02
